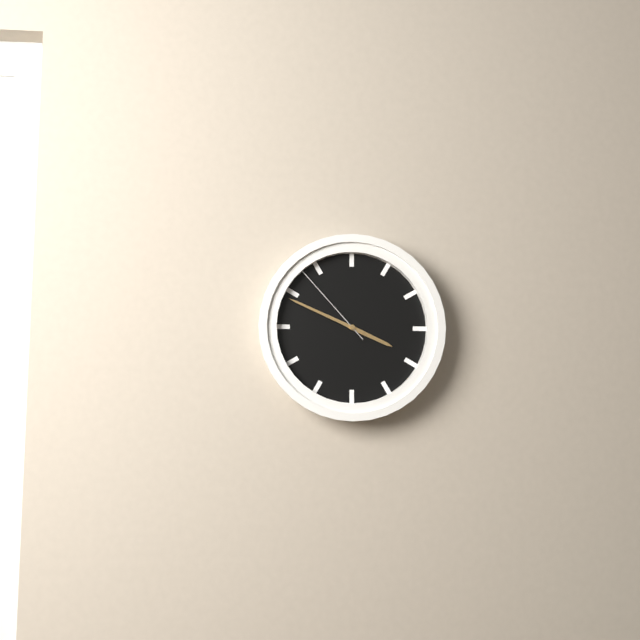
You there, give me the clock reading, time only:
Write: 3:49:53
